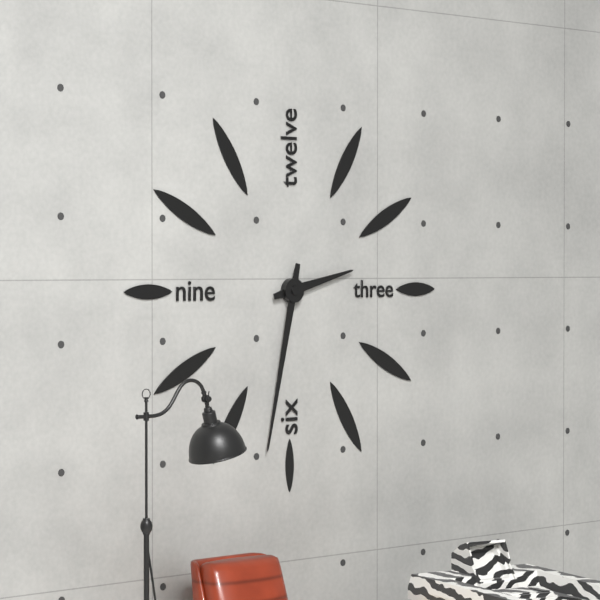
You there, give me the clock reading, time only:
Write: 2:32
